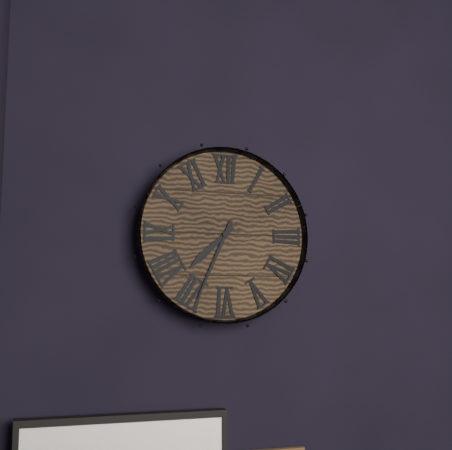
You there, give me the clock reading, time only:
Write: 7:34
